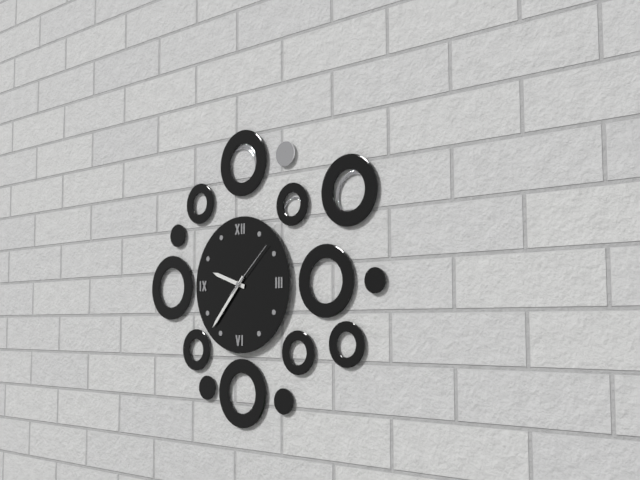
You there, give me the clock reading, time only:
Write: 9:37:08
